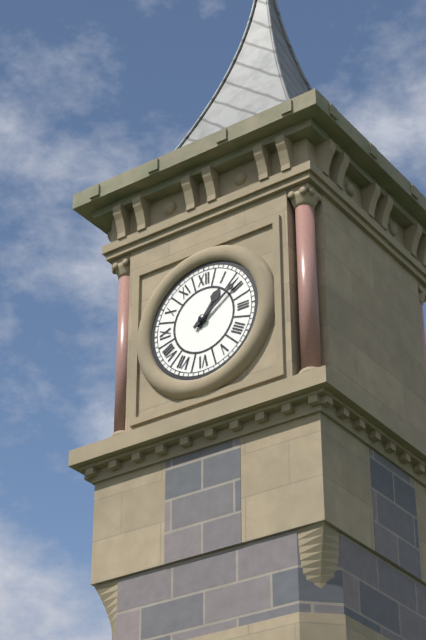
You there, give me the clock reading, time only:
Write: 1:09
